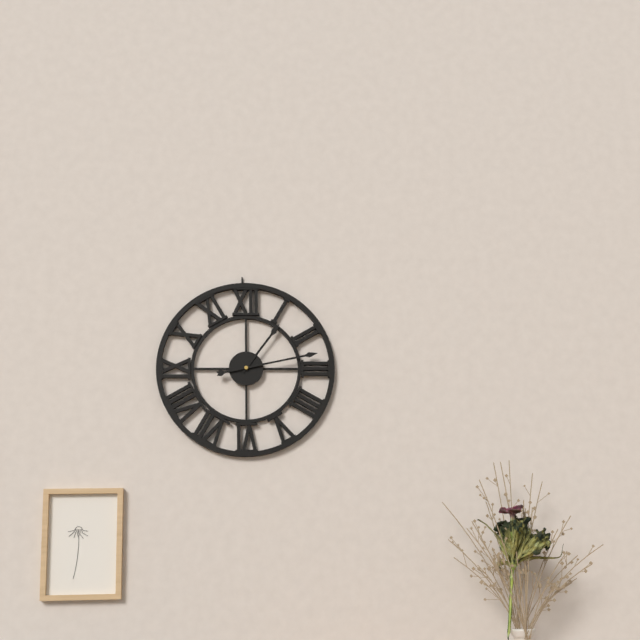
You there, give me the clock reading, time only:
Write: 1:13
